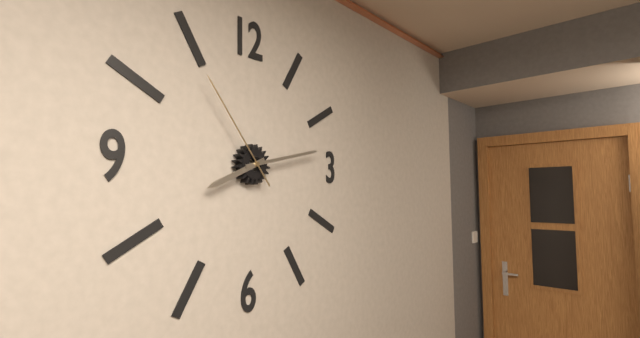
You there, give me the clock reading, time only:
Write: 8:13:54
